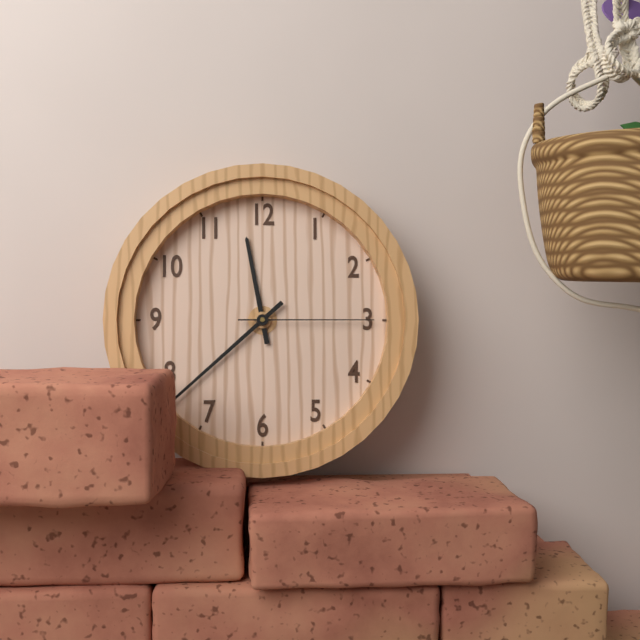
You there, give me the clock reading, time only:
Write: 11:38:15
